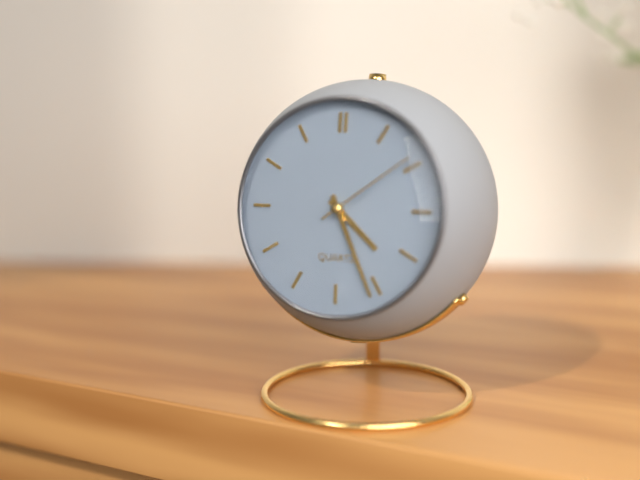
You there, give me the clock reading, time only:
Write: 4:26:09
